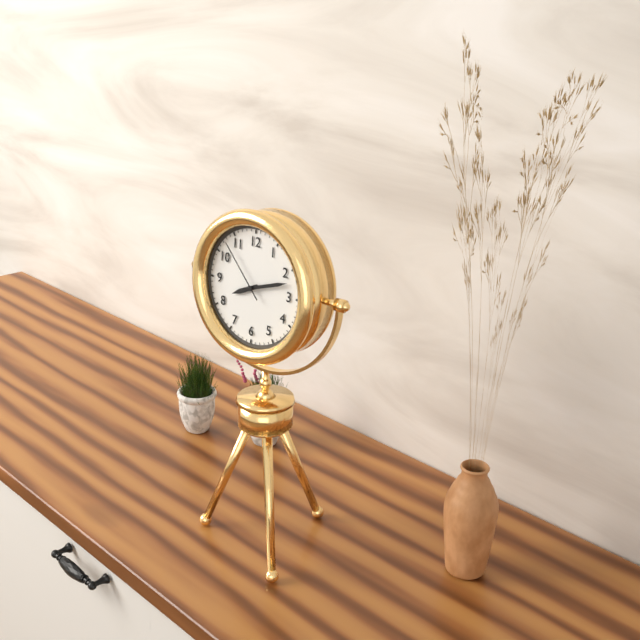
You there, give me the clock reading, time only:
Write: 8:12:53
